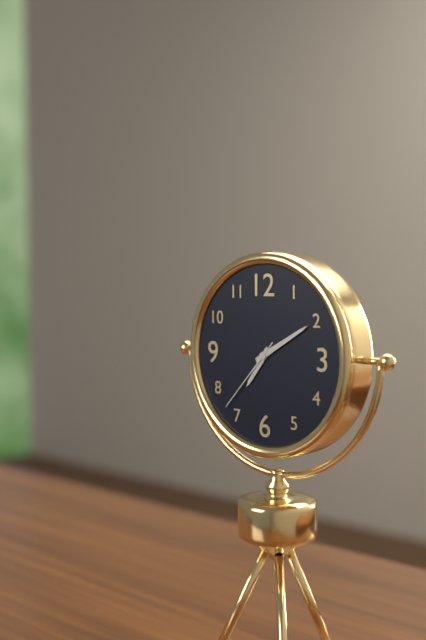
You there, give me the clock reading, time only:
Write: 7:10:37
